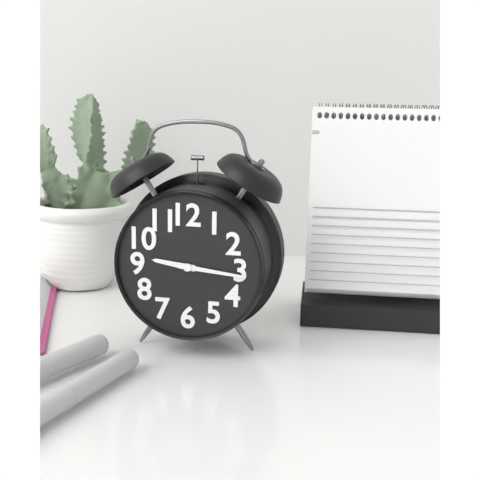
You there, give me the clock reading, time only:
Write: 9:16
